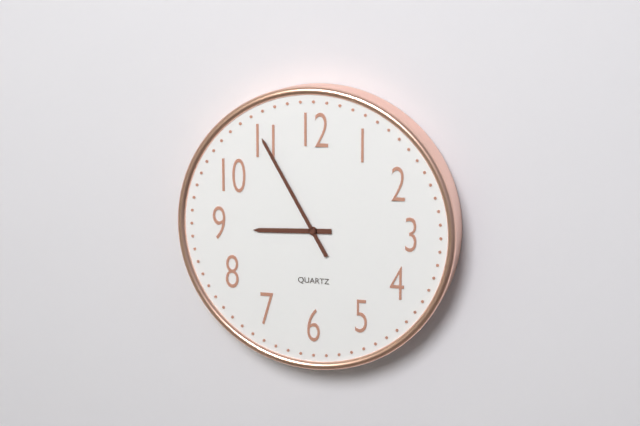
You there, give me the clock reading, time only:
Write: 8:55
